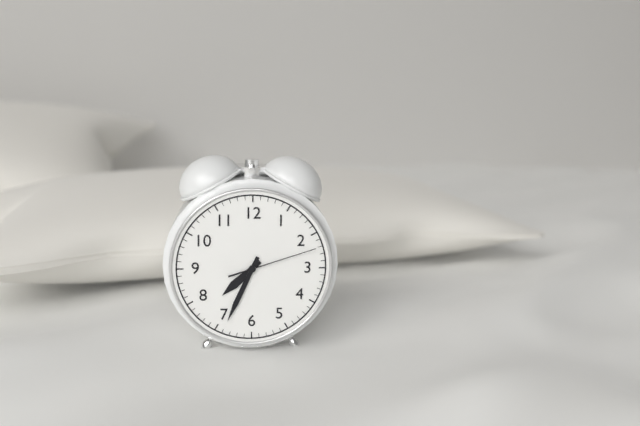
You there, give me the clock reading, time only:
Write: 7:34:12
